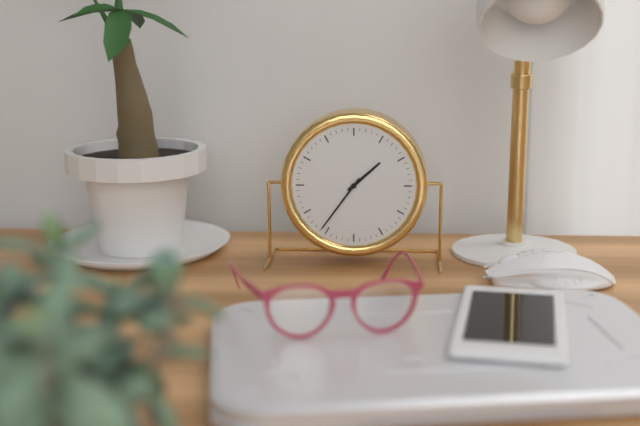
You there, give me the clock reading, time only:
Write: 1:36
